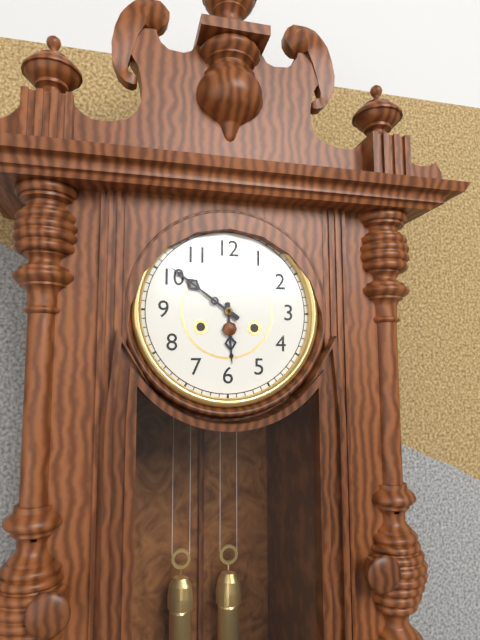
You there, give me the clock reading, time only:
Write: 5:51
